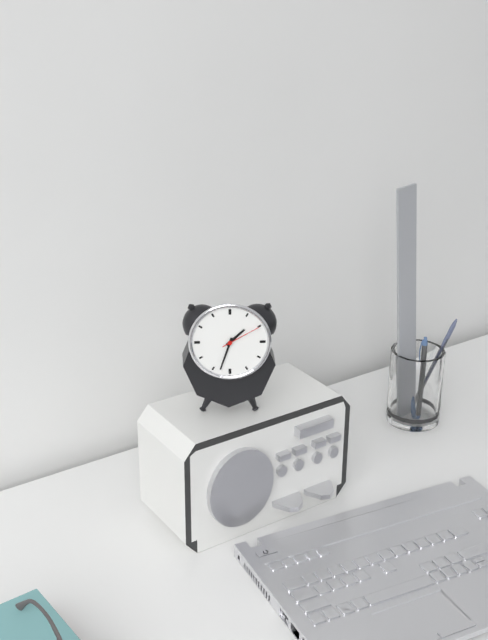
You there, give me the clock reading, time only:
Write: 1:33
